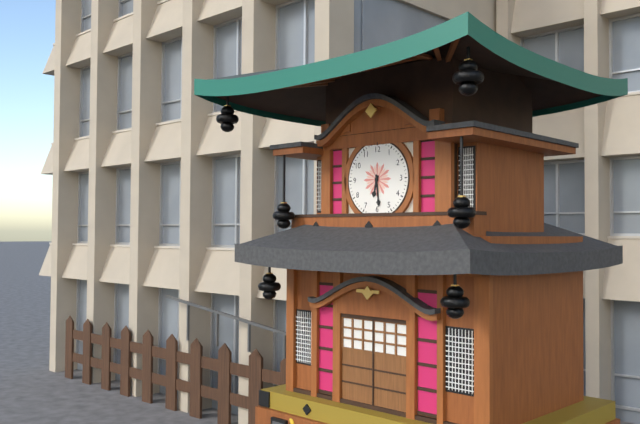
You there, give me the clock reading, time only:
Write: 6:29
